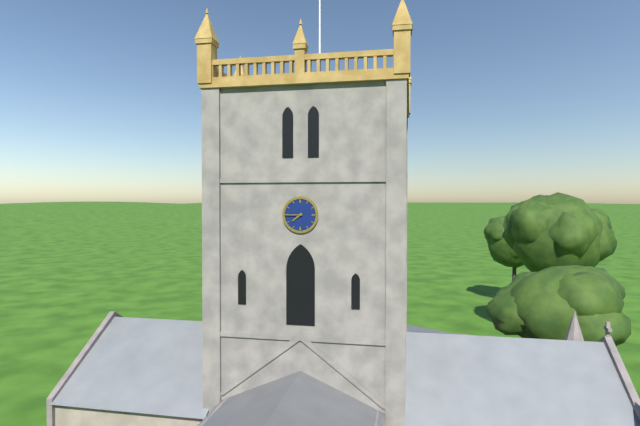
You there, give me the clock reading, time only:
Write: 7:45
